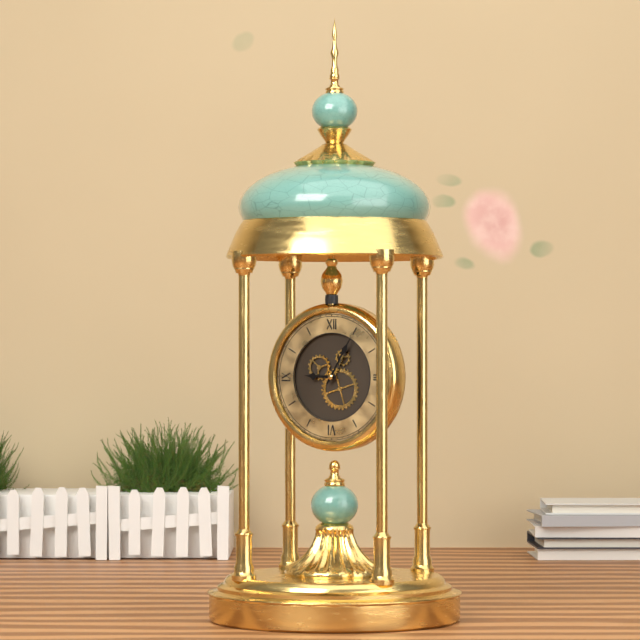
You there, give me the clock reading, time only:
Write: 9:05
